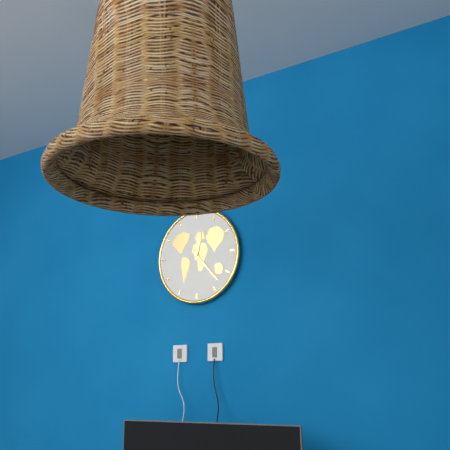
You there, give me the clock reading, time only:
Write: 12:23
